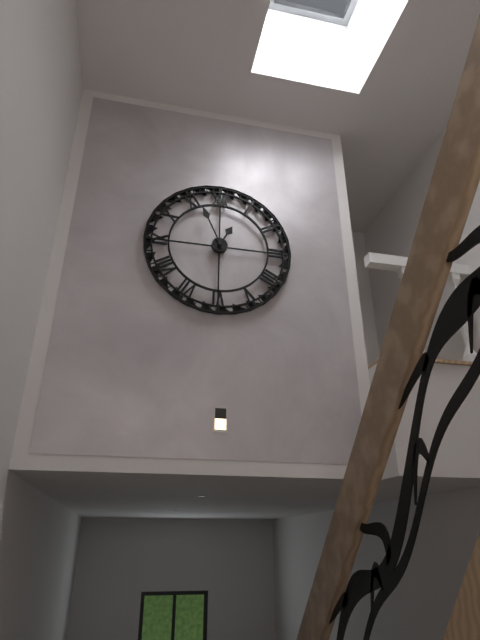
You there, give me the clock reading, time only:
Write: 12:56
